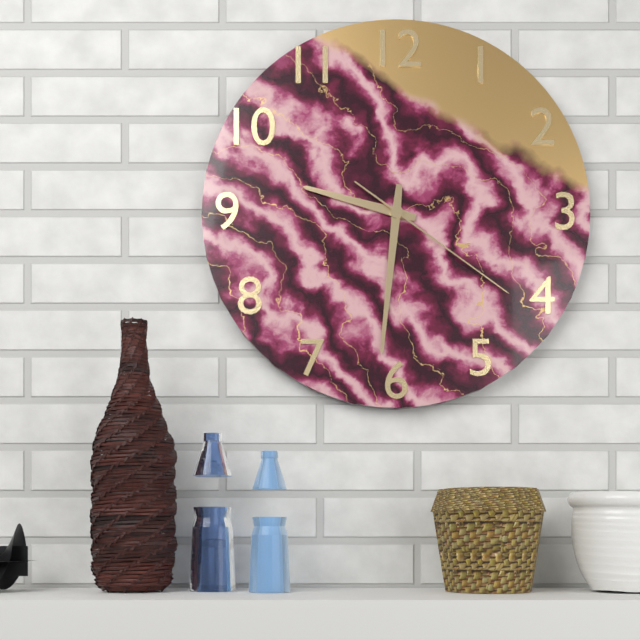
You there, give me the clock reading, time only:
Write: 9:31:21
